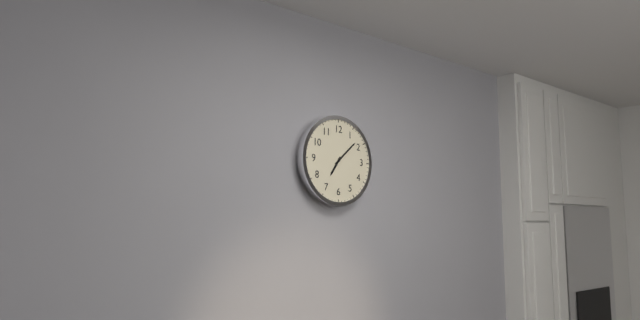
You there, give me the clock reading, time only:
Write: 7:08
